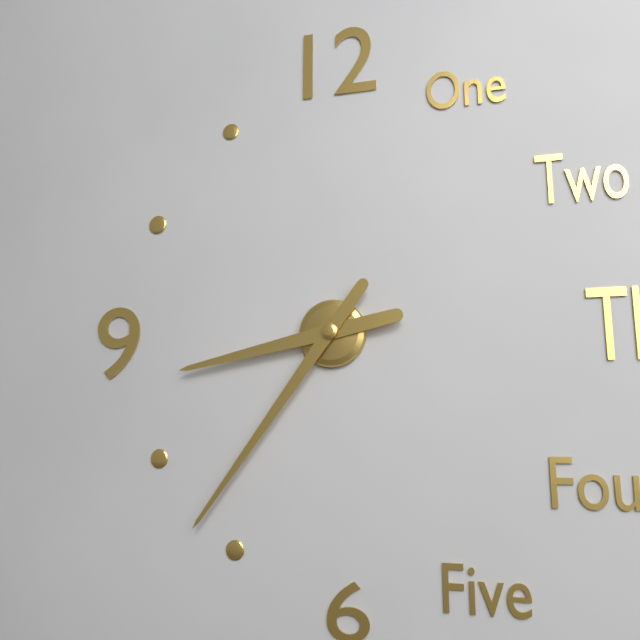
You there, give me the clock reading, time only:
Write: 8:36
